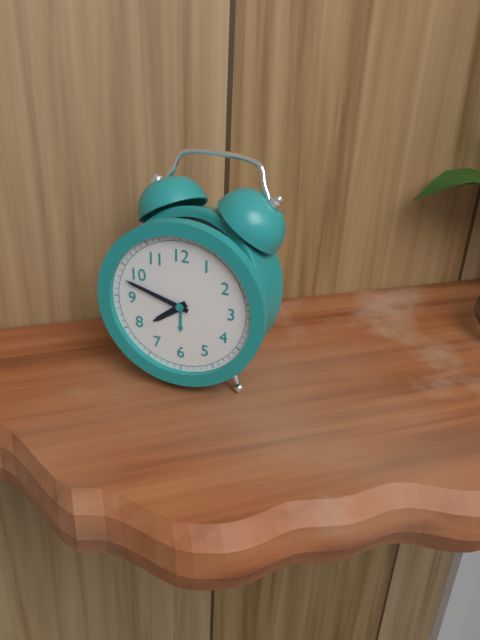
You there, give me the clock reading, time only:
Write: 7:48
